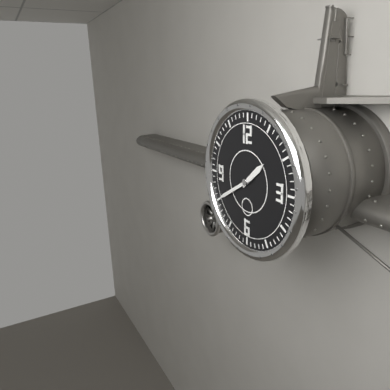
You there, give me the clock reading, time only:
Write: 1:40
